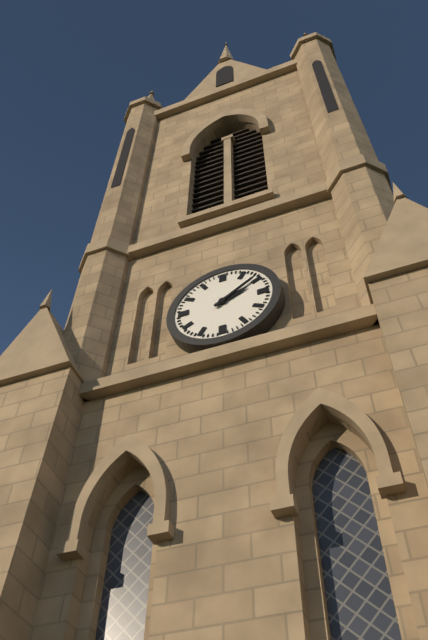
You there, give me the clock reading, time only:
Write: 2:09
